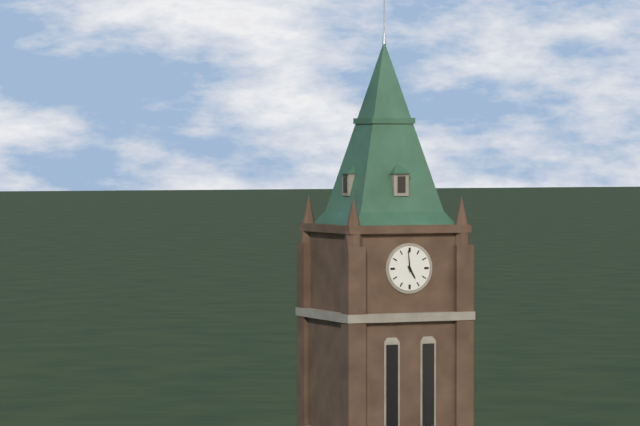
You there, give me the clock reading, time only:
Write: 4:59
